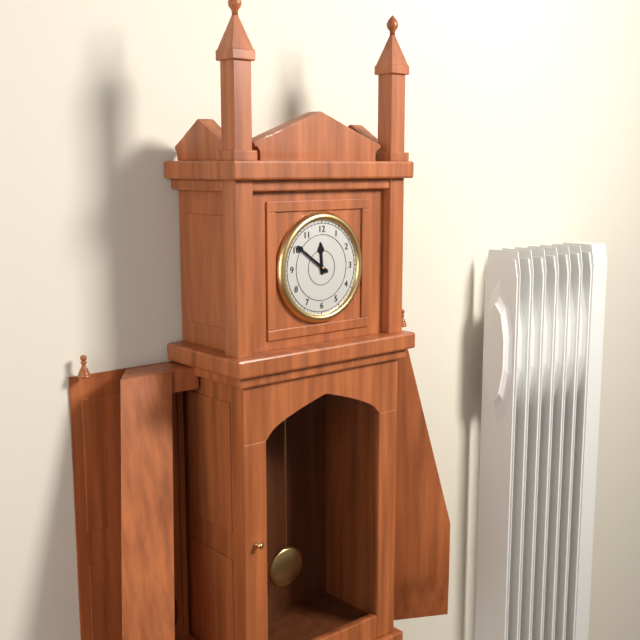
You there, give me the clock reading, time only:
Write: 11:51
